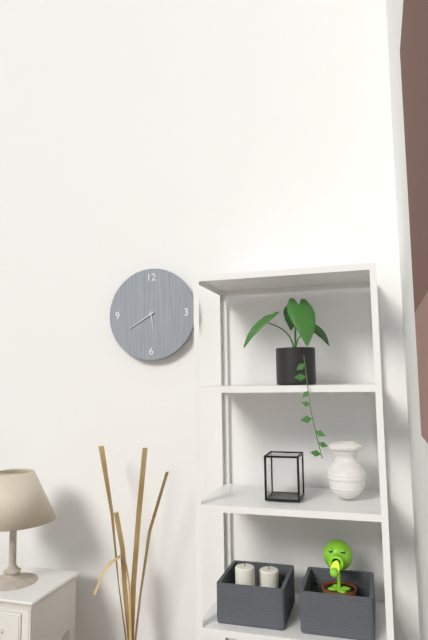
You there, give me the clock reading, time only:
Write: 5:40
